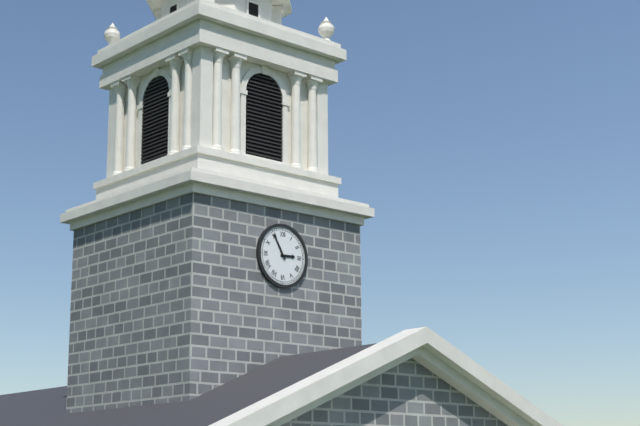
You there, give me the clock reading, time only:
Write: 2:55
